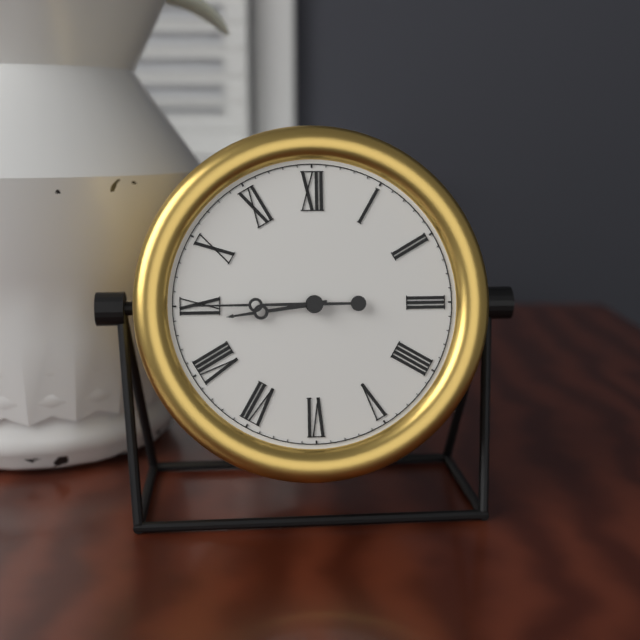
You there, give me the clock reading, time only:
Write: 8:45
